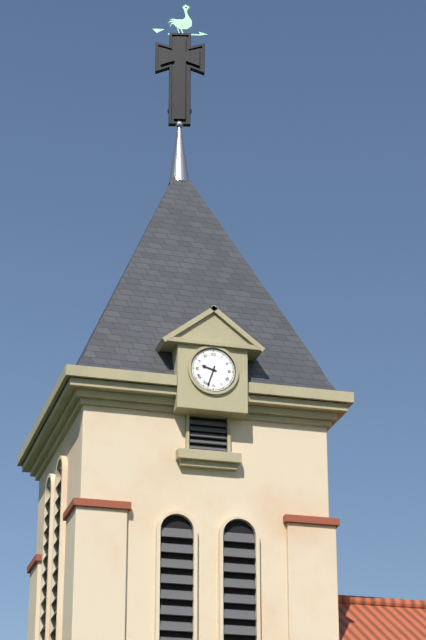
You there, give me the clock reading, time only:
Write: 9:33
